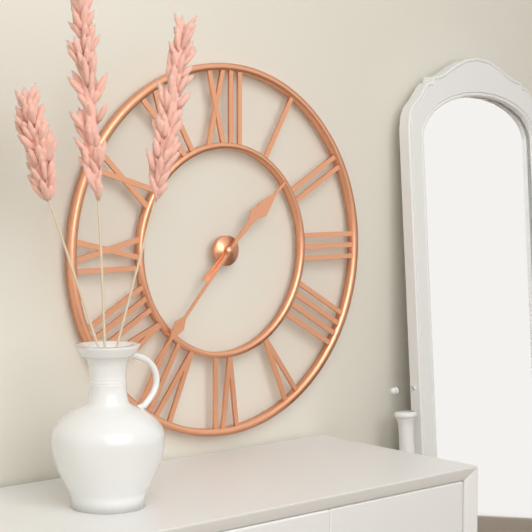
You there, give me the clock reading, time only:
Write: 1:37
